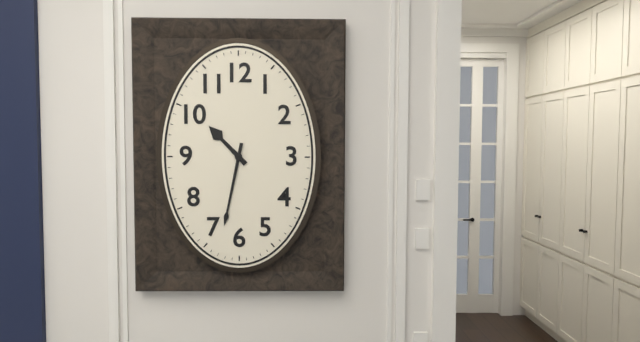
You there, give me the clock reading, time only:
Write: 10:32
